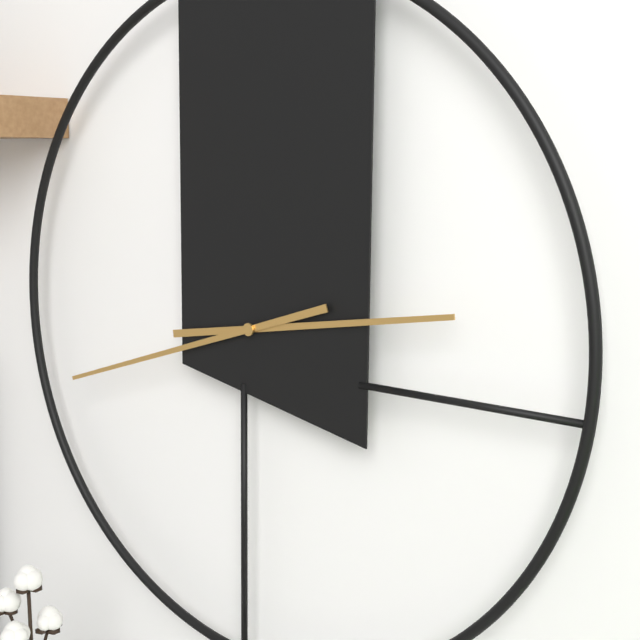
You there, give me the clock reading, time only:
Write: 2:42
